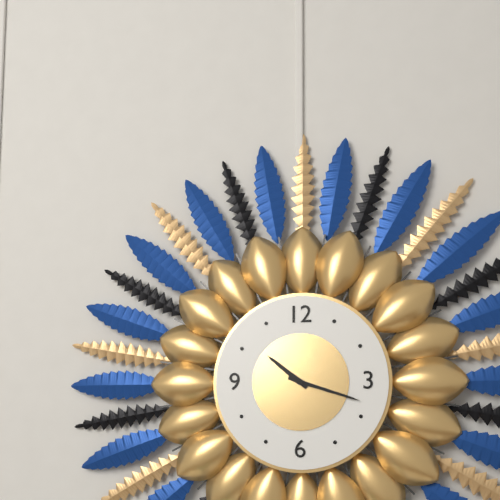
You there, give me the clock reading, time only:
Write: 10:18
